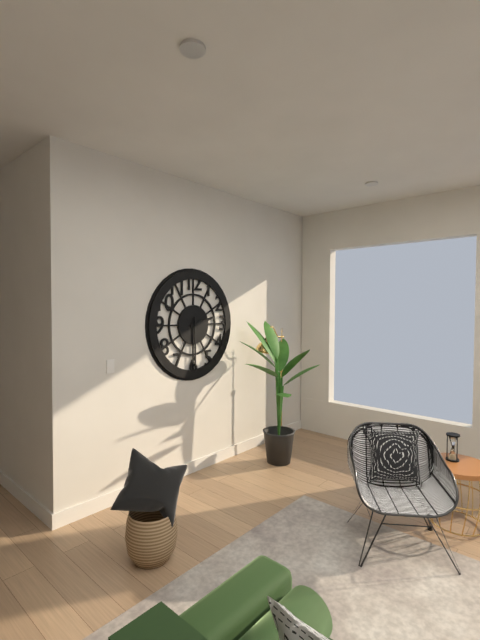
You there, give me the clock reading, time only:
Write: 2:30
